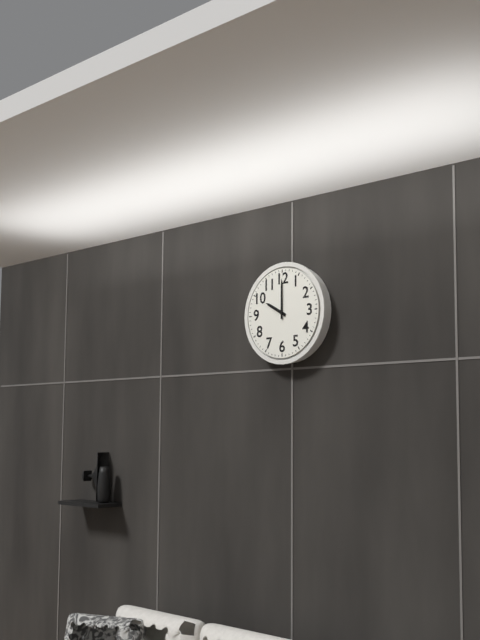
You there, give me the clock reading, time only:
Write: 10:00
